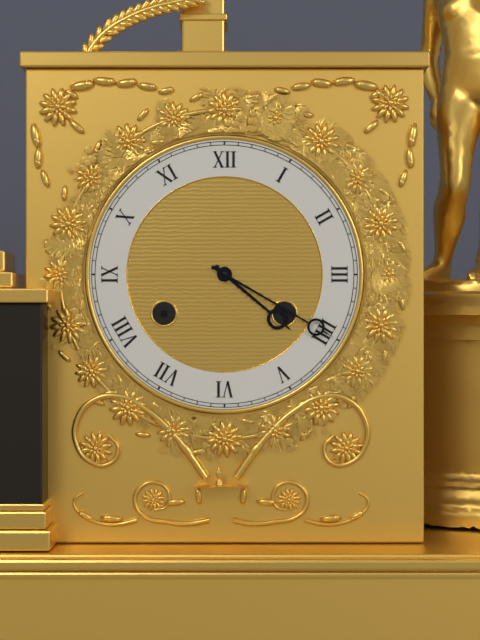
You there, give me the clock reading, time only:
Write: 4:20
